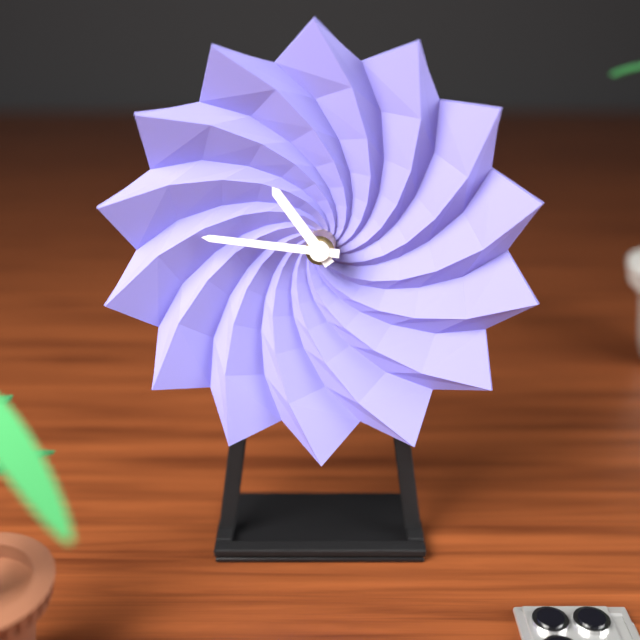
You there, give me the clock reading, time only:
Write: 10:46
